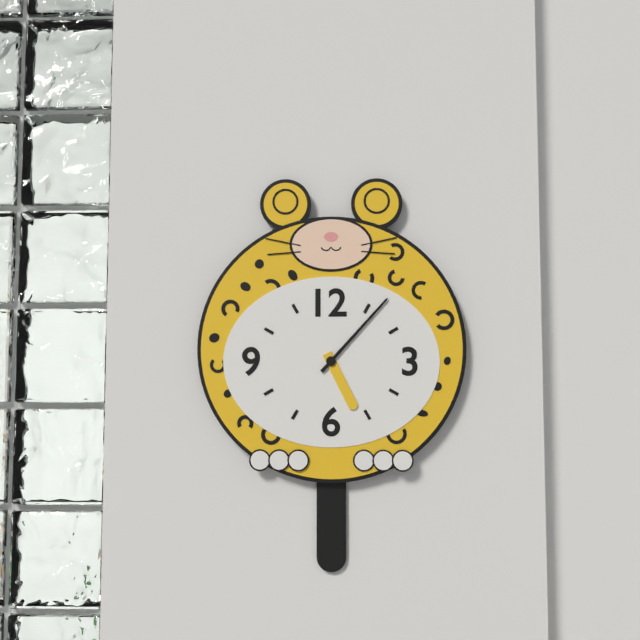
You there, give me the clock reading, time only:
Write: 5:07
